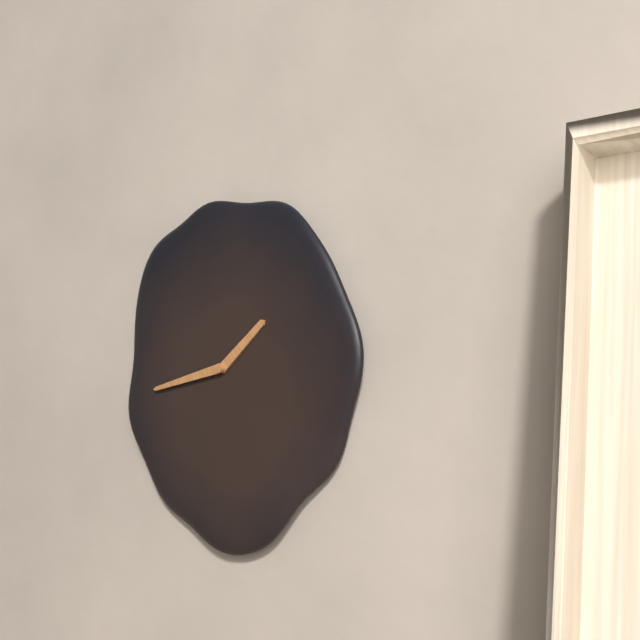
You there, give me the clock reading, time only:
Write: 1:43
